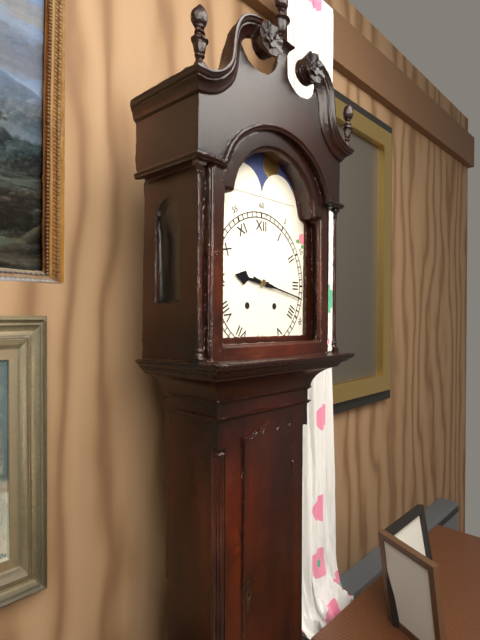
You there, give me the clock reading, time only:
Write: 9:17
